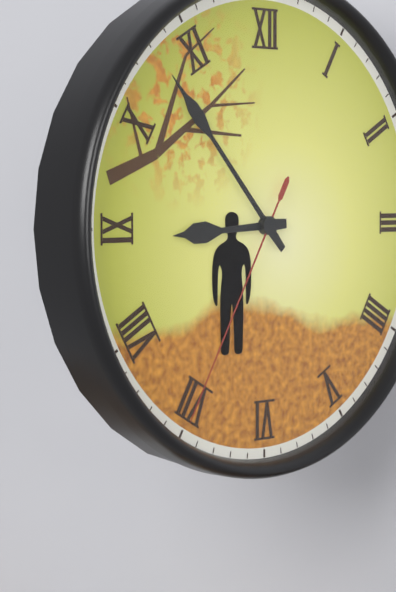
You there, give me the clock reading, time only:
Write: 8:53:35
